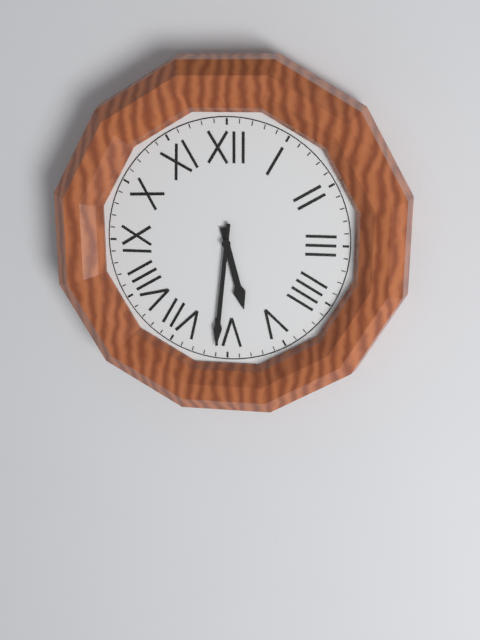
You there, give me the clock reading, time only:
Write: 5:31
